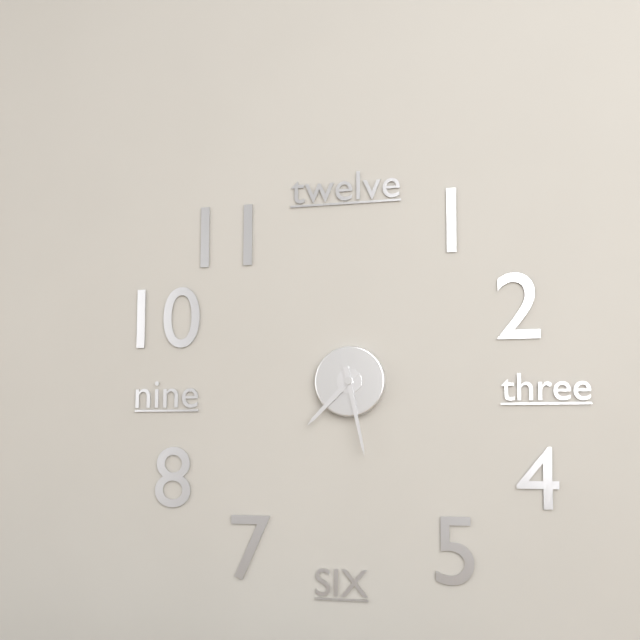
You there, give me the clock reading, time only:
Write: 7:28
